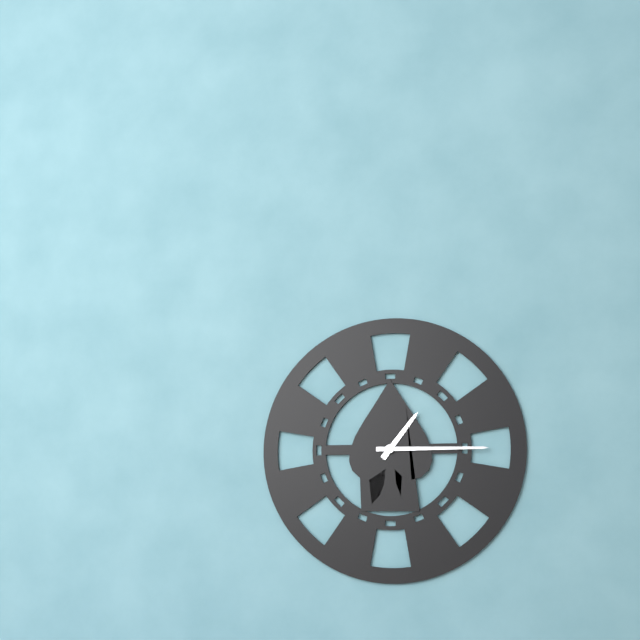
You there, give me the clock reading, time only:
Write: 1:15
